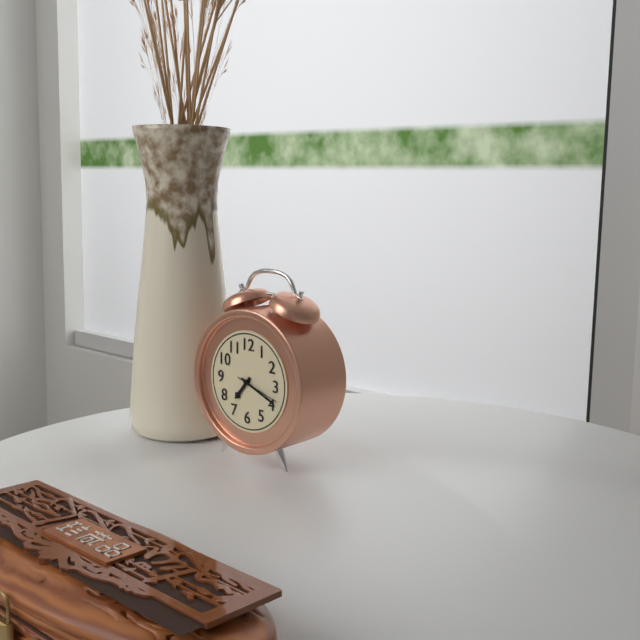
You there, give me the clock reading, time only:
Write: 7:19
